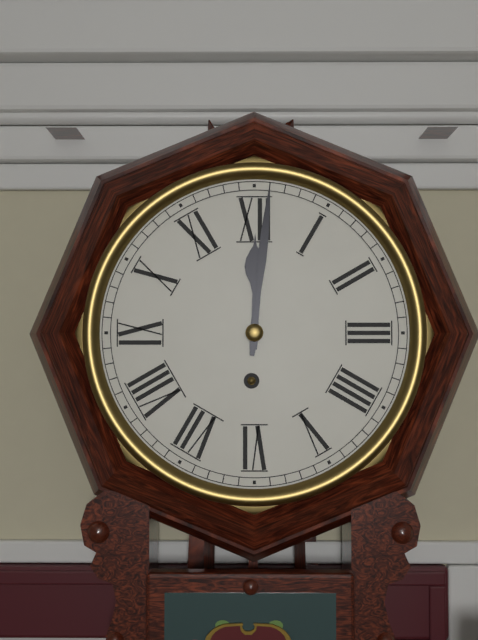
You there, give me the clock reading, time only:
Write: 12:01
